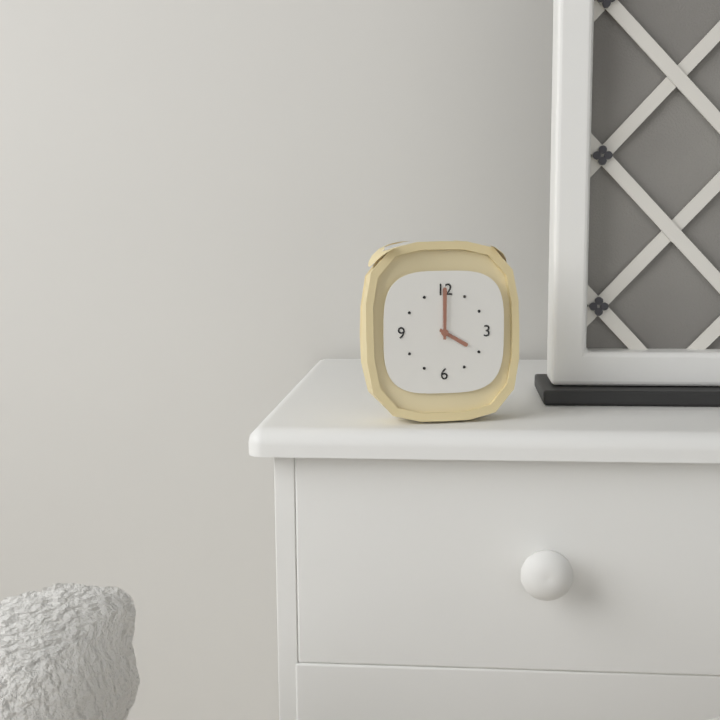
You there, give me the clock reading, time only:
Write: 4:00
